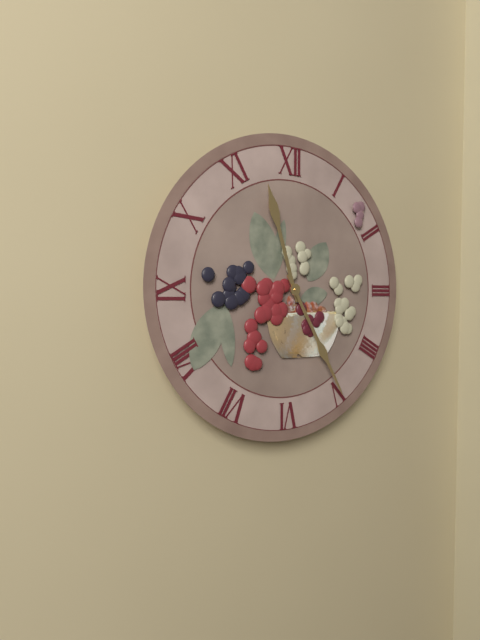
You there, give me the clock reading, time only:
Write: 11:25
